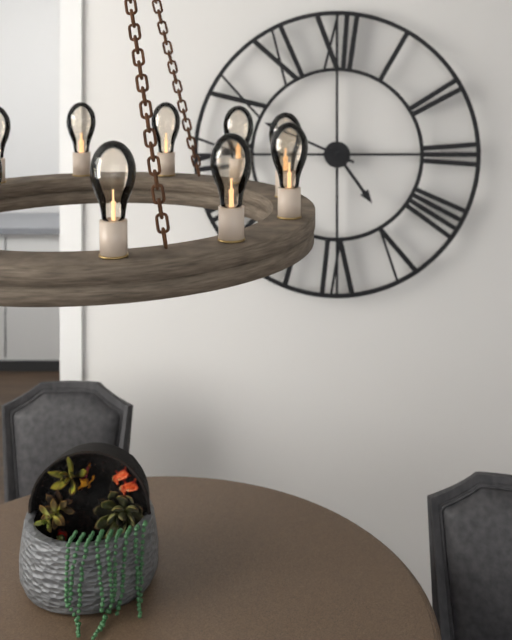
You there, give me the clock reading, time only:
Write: 4:49
